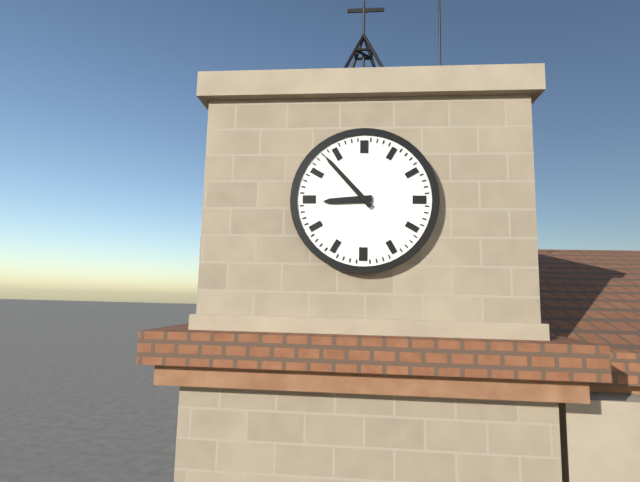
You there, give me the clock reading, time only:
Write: 8:53
